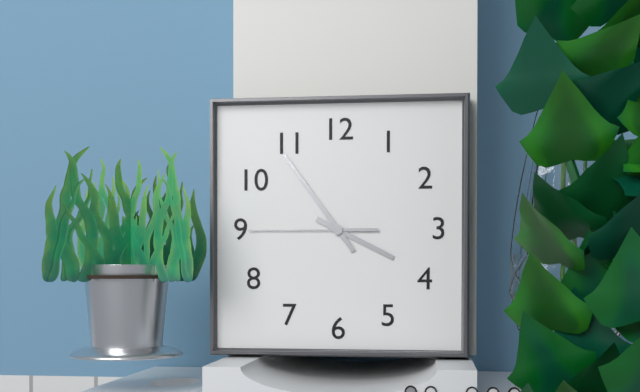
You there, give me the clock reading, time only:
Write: 3:54:45
